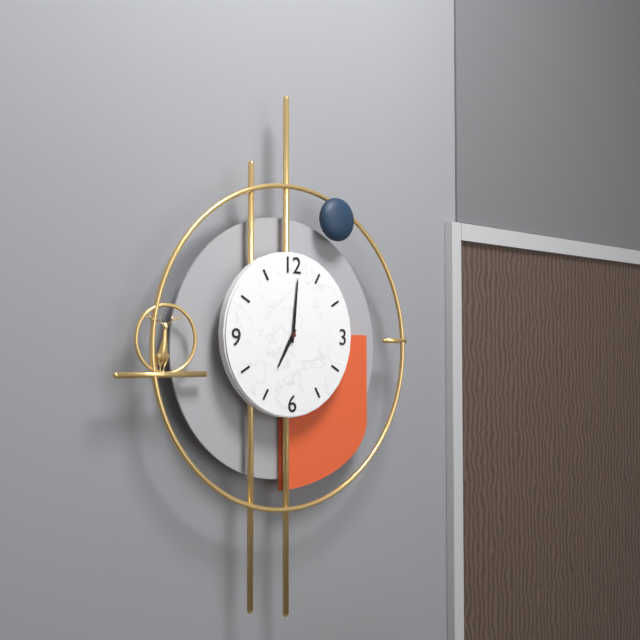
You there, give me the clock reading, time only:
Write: 7:01
